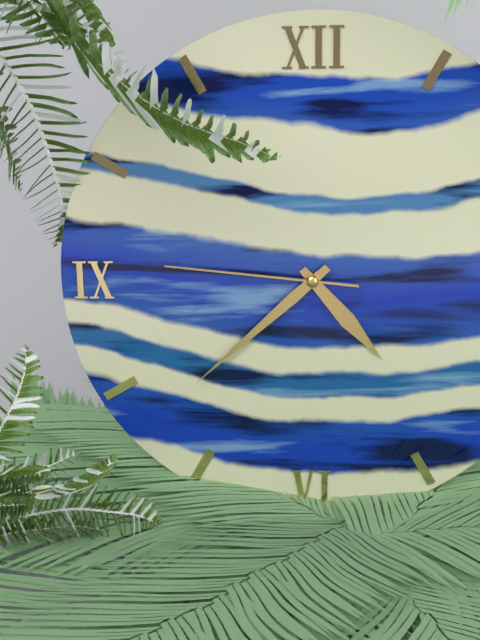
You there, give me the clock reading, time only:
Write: 4:38:46
